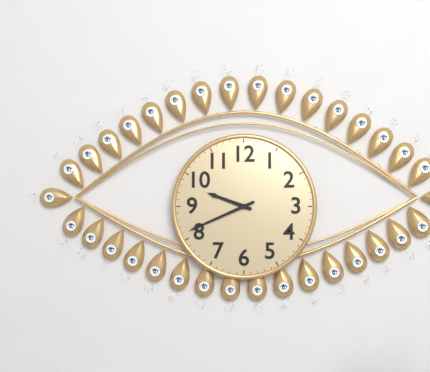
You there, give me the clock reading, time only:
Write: 9:41
